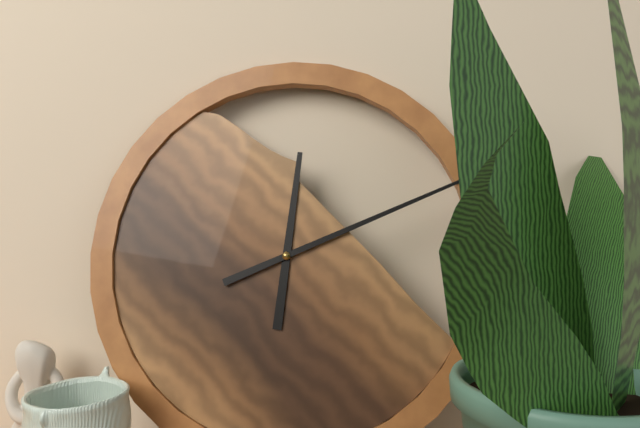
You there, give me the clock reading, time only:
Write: 12:11
